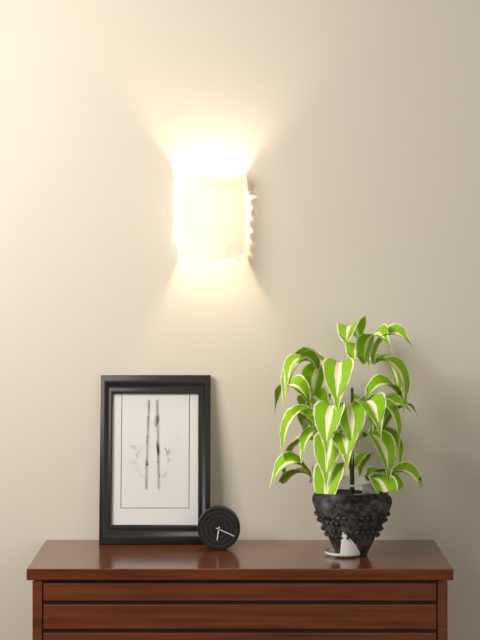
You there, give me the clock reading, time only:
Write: 6:19
